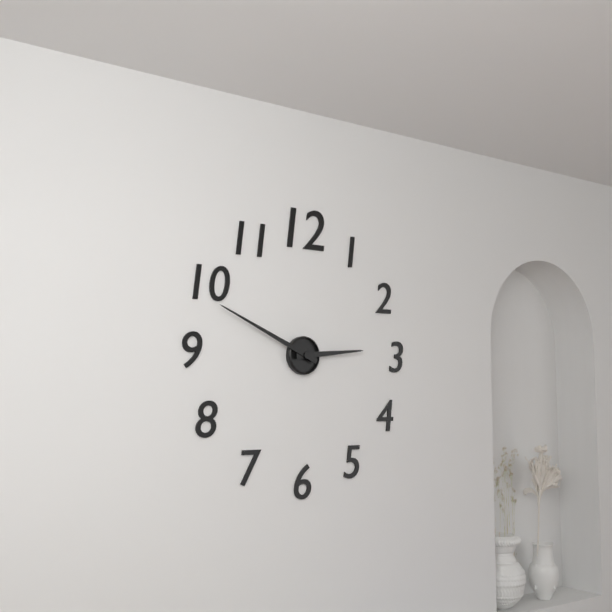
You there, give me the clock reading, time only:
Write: 2:49
